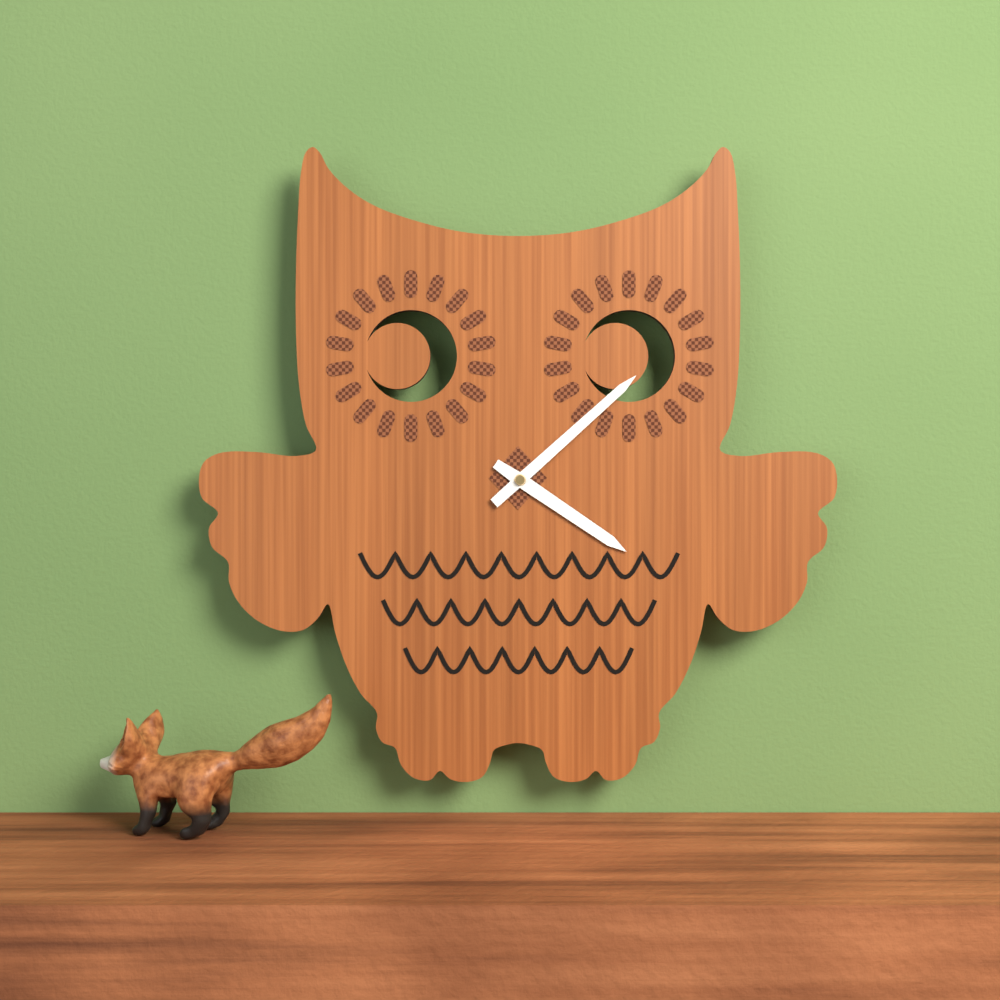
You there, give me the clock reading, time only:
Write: 4:08
